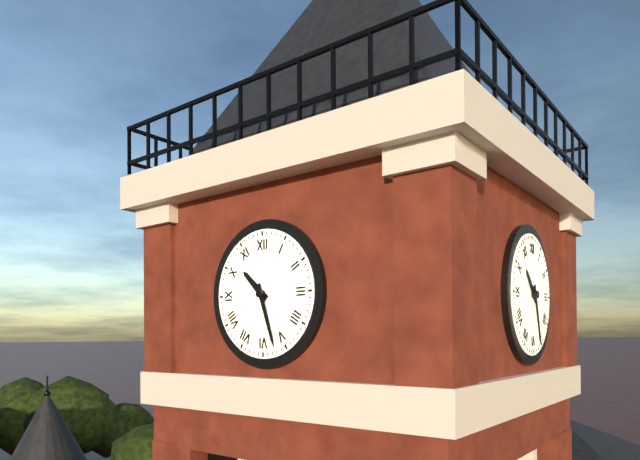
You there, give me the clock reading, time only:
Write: 10:27
